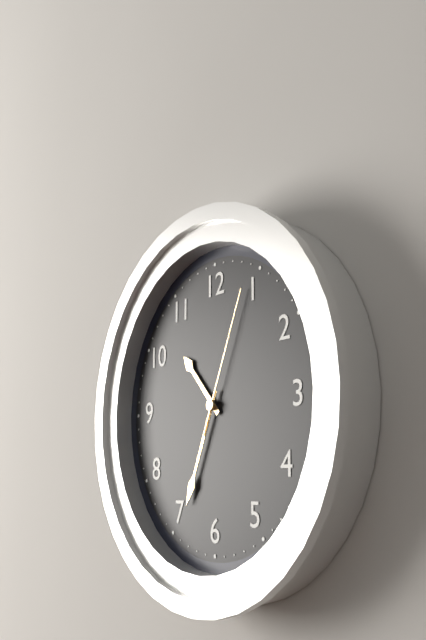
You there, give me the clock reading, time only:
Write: 10:34:04
